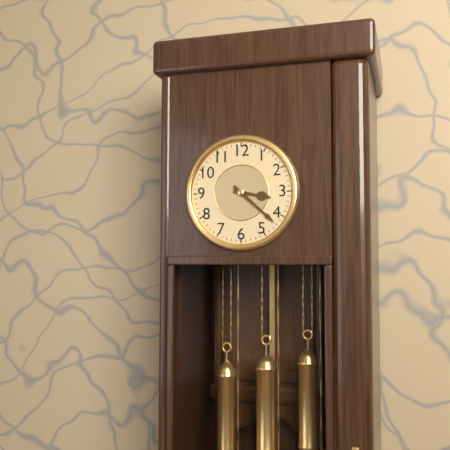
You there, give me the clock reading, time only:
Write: 3:22
